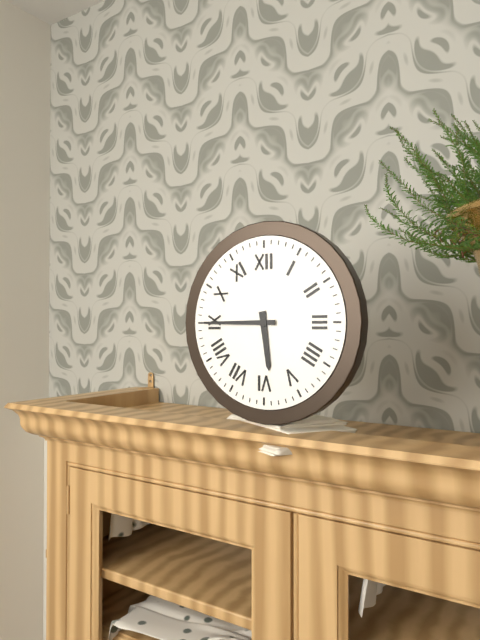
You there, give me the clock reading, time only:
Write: 5:45
